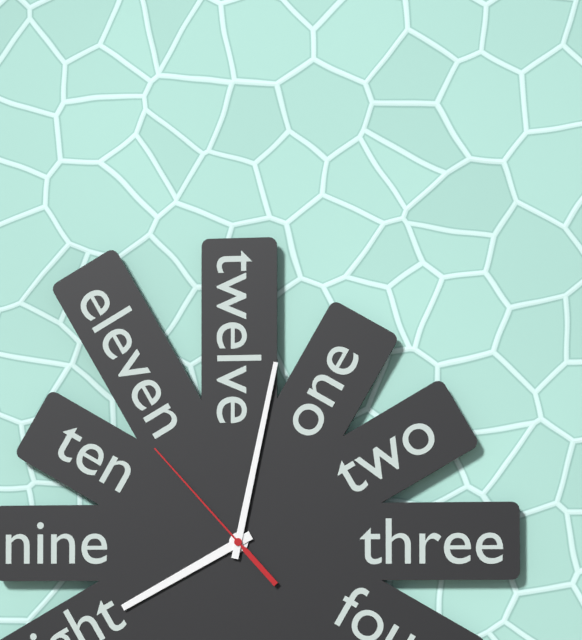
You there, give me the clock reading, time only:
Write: 8:02:53
